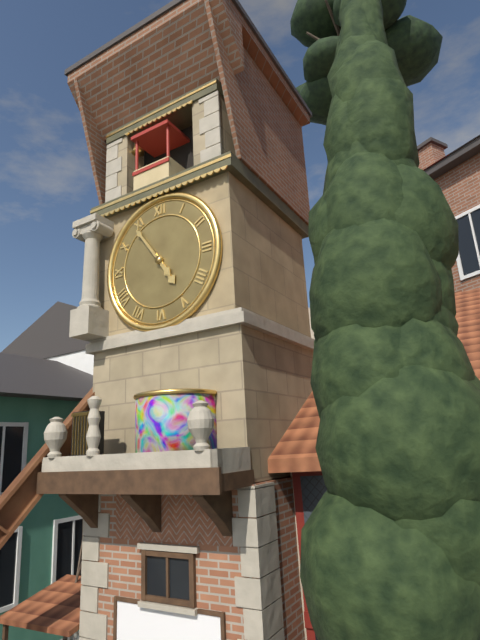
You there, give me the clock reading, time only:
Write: 4:54
